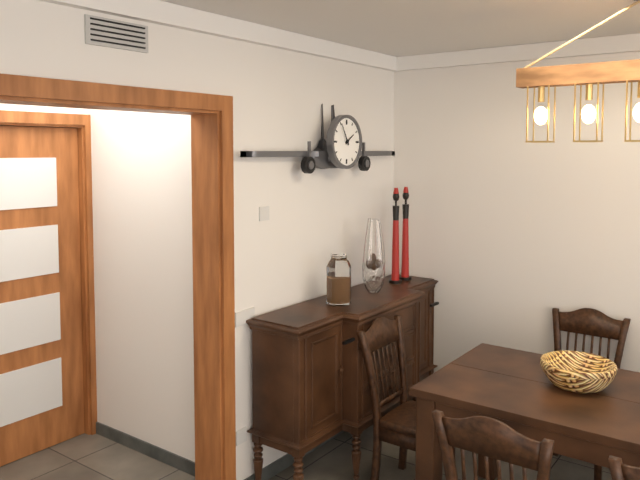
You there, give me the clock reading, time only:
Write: 1:55
